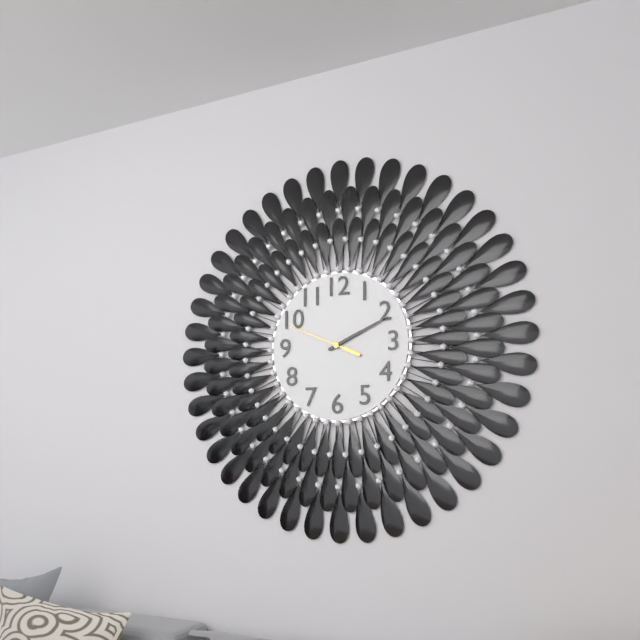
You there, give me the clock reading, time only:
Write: 2:11:49
